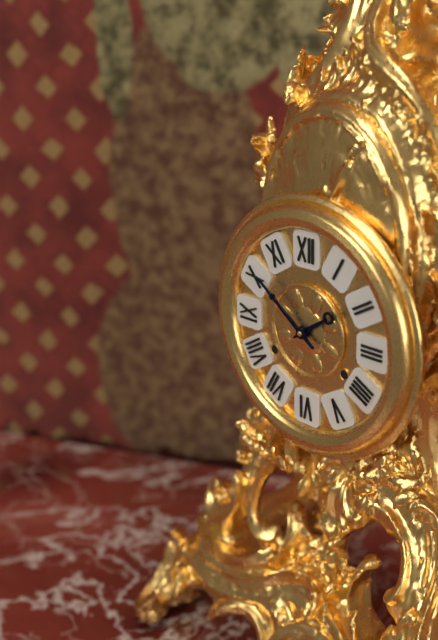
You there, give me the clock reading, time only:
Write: 1:51
